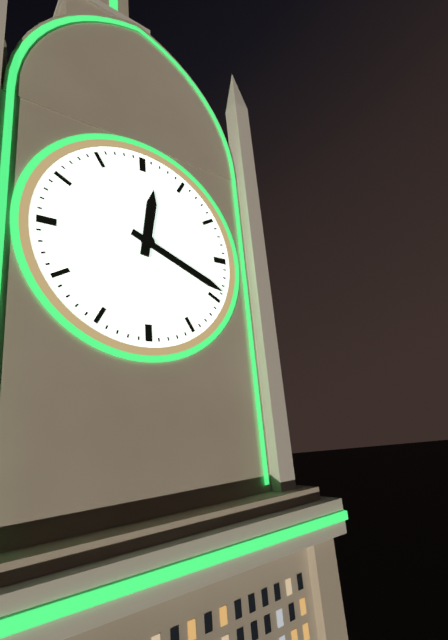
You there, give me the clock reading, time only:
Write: 12:19
